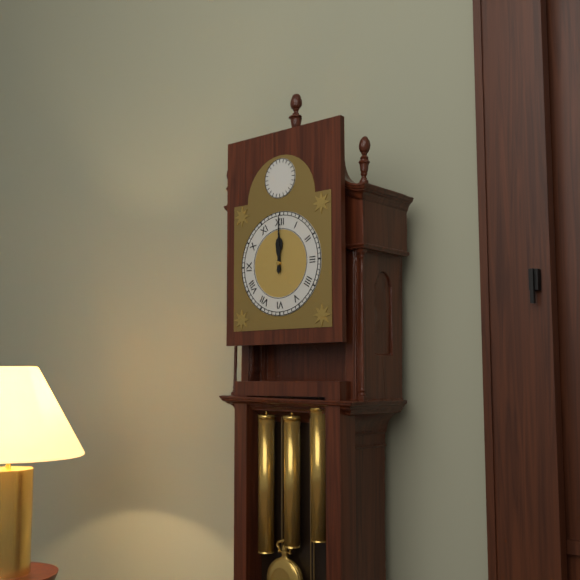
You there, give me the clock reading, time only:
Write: 12:00
